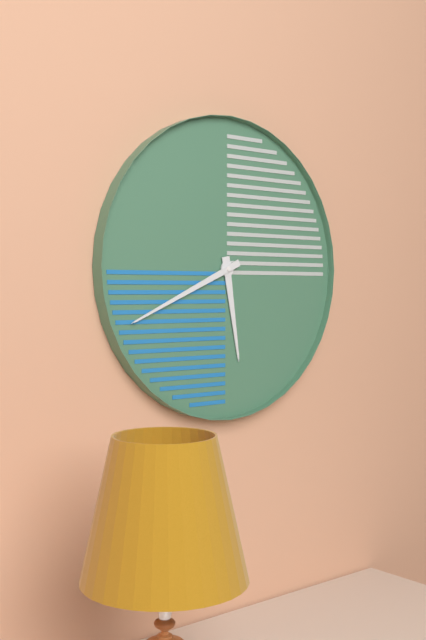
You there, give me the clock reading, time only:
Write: 5:41
